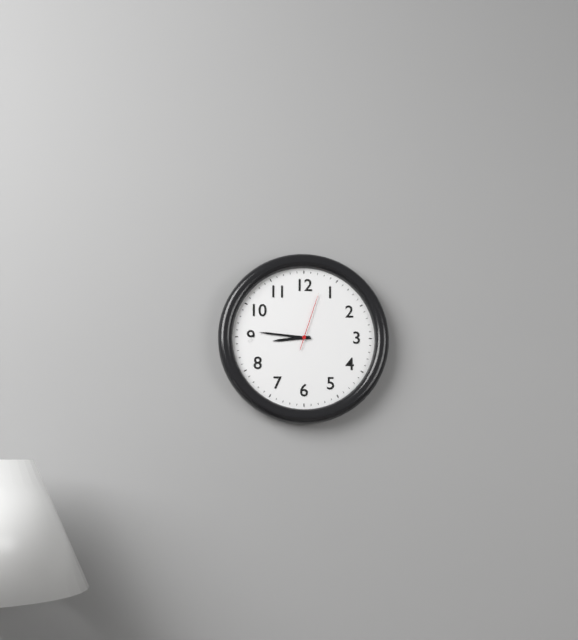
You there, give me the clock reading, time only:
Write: 8:46:03
